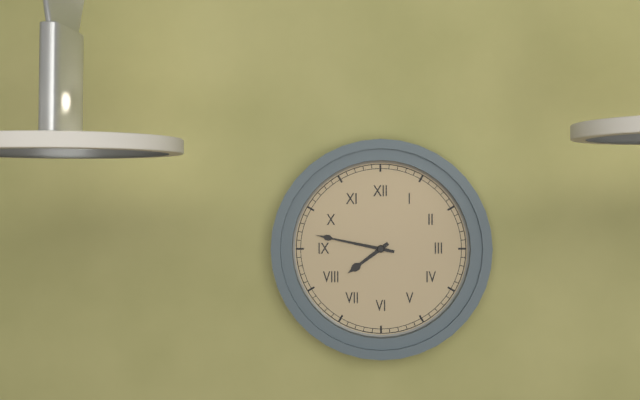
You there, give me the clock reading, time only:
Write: 7:47
